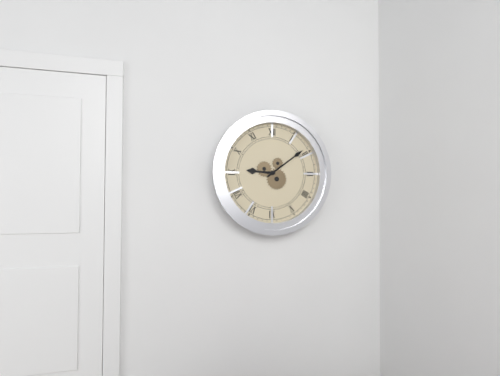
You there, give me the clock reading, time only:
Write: 9:09
